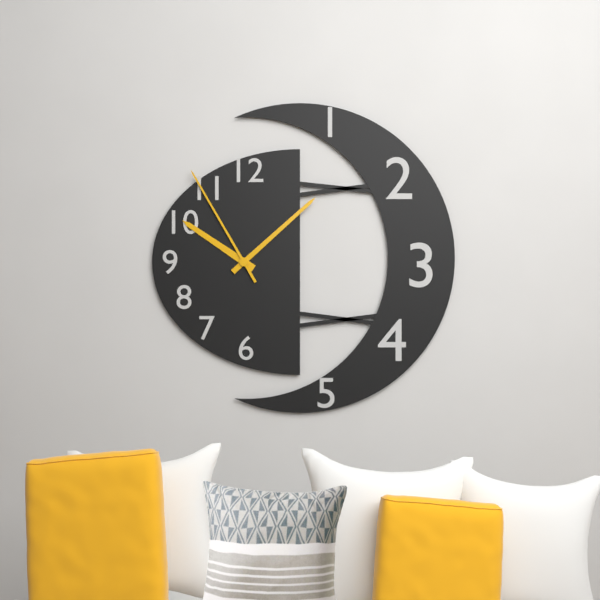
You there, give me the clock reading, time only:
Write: 10:08:55
